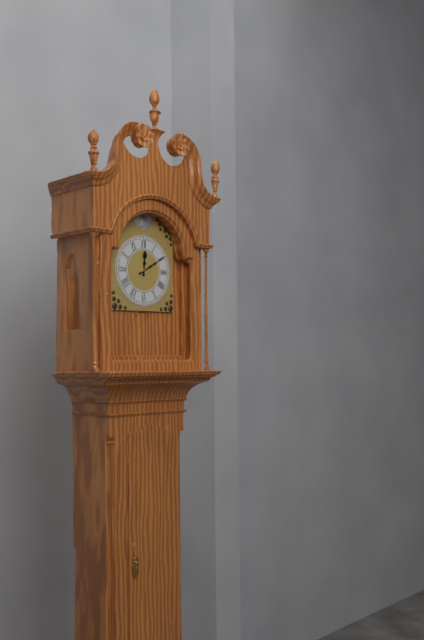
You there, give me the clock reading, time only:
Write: 12:10
